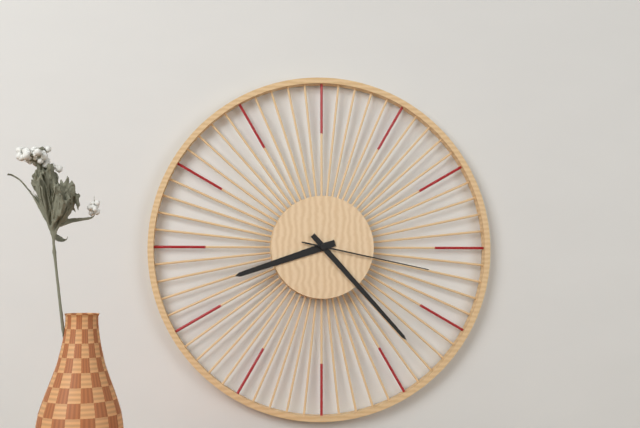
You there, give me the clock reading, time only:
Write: 8:23:17
